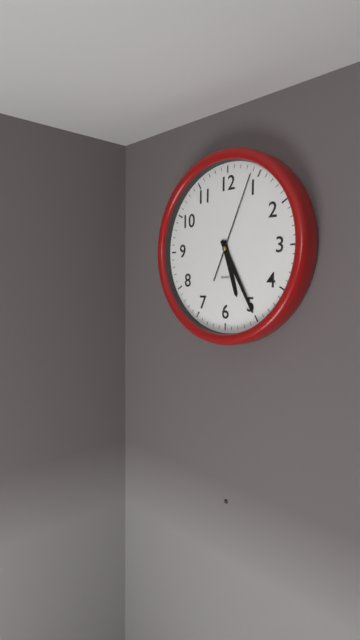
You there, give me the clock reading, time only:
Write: 5:25:04
